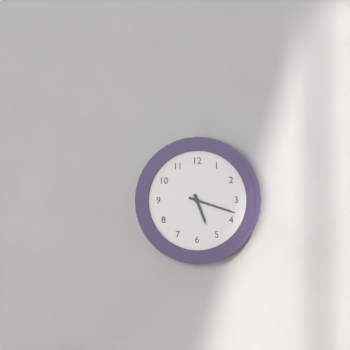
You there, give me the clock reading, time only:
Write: 5:18
